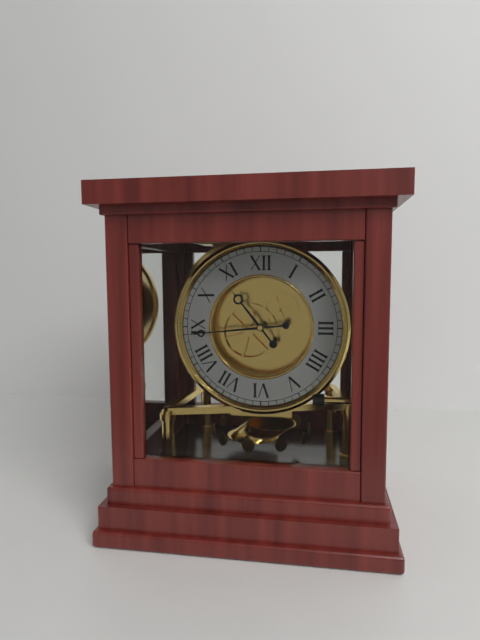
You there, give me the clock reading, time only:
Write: 10:44
